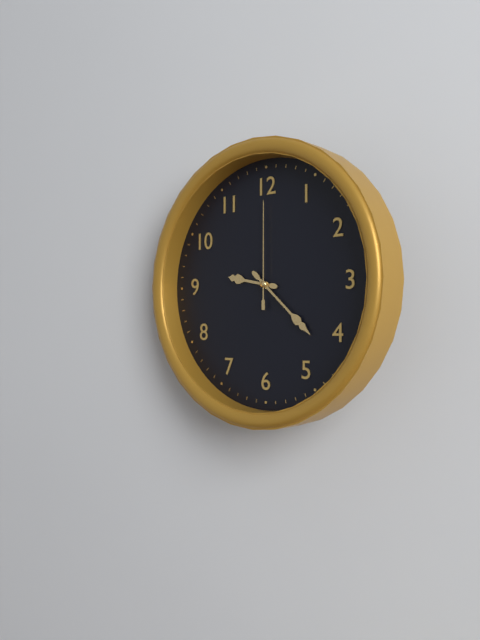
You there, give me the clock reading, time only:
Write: 9:22:00
